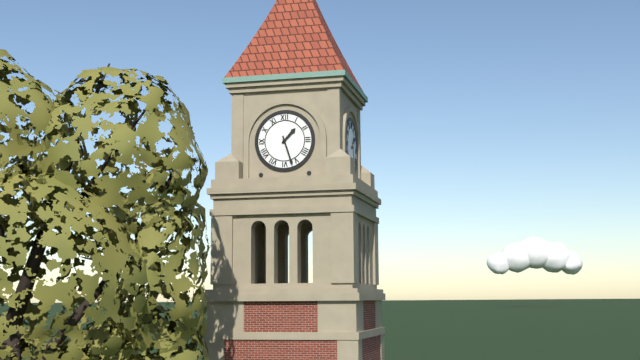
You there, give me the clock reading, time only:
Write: 1:27
